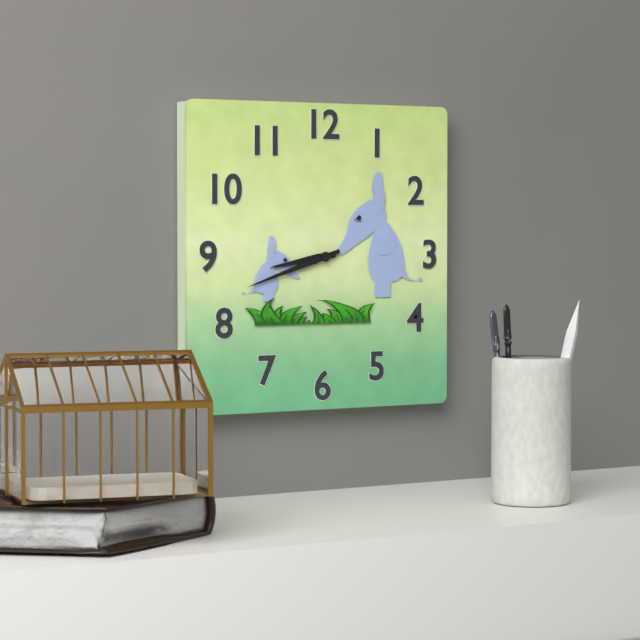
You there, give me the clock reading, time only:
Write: 8:42
